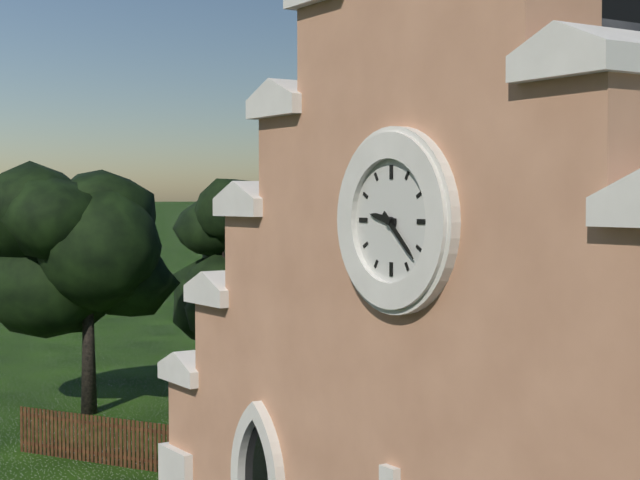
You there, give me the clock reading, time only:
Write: 9:22
